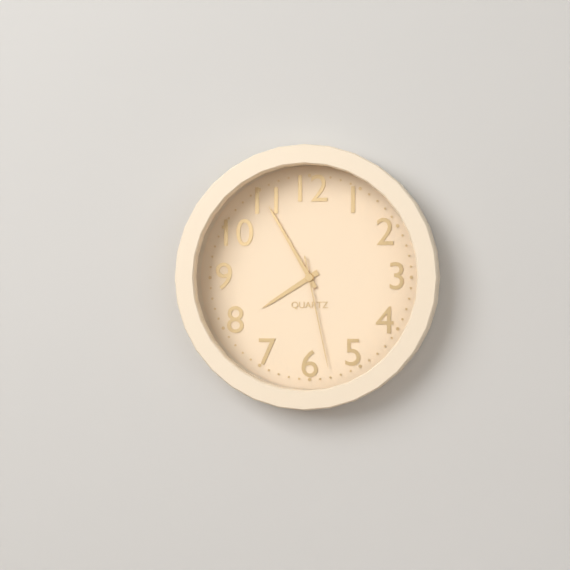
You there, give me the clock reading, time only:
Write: 7:55:28
